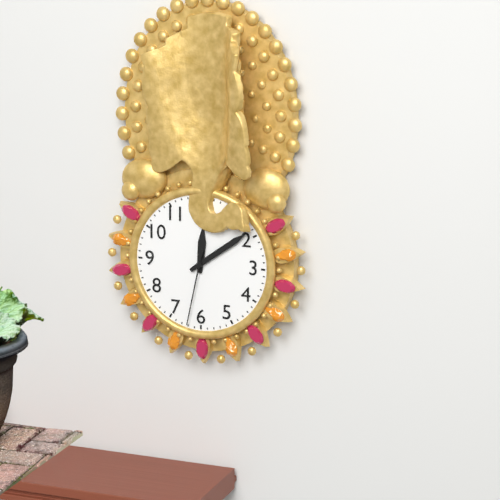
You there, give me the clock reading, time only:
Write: 12:09:32
